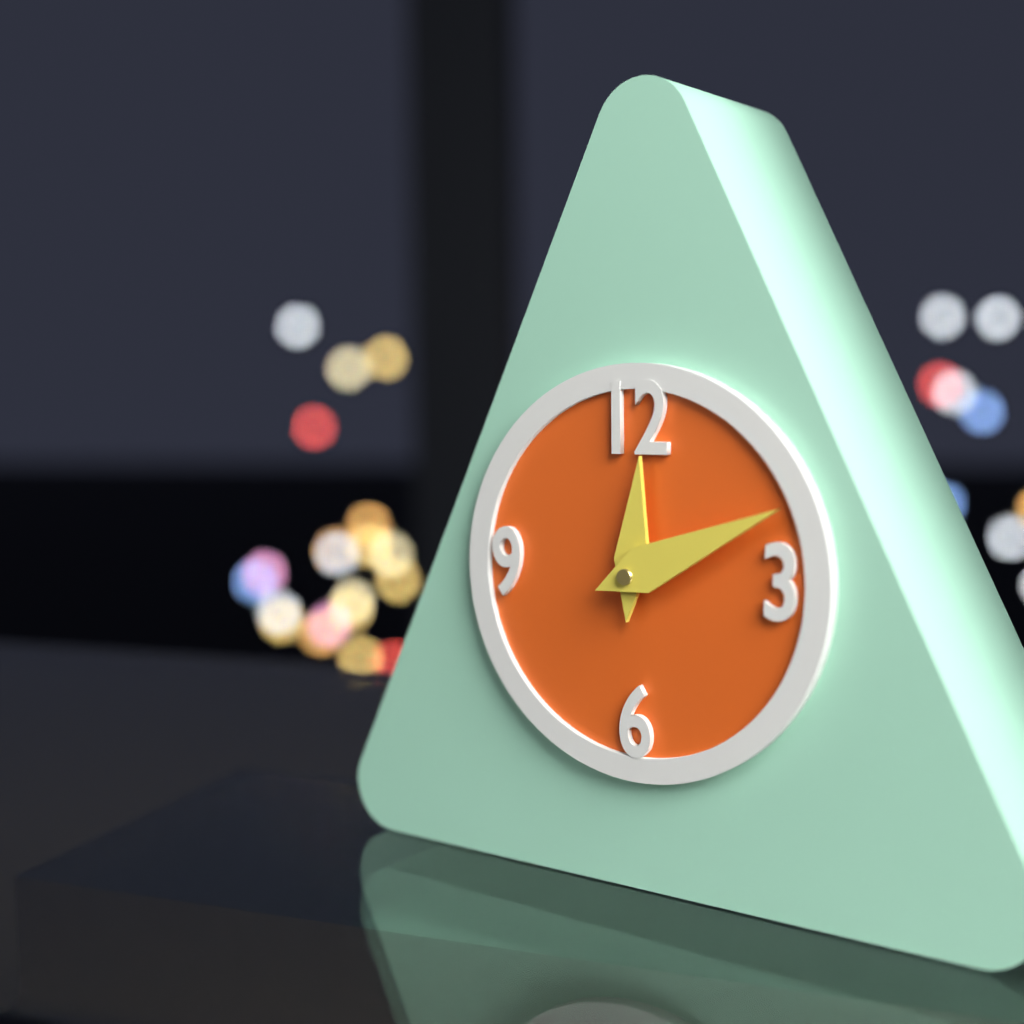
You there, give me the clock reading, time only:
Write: 12:11
